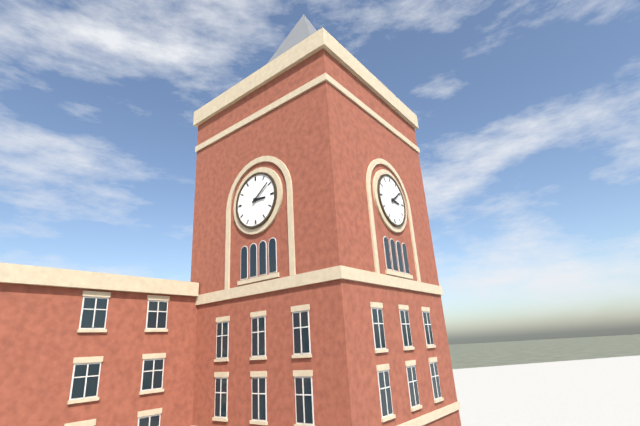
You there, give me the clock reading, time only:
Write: 3:09
